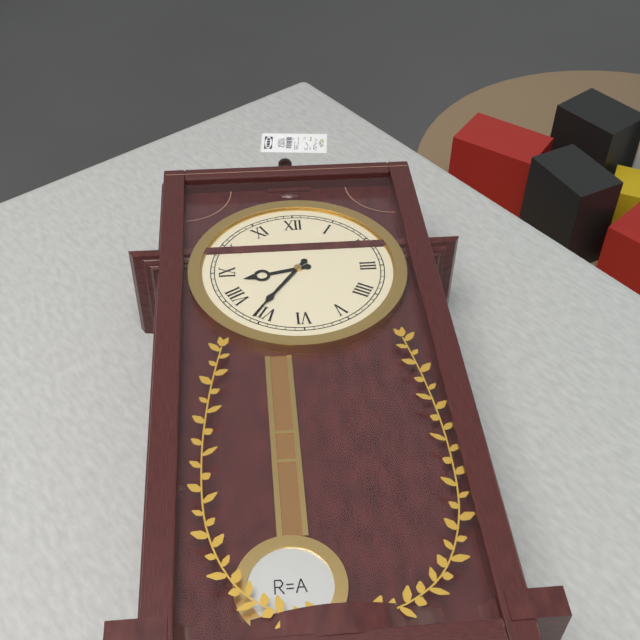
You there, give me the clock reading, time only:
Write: 8:36
